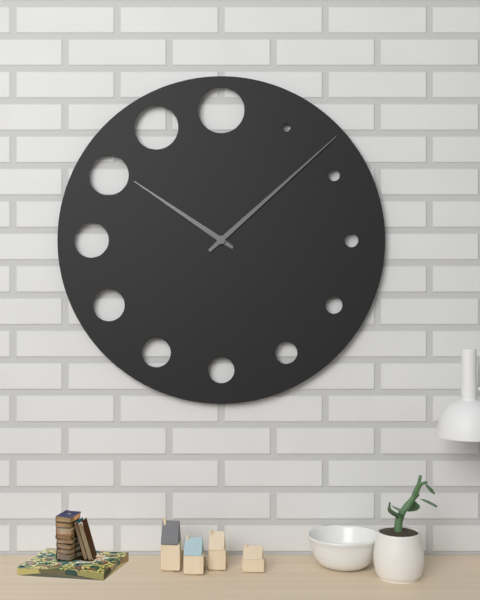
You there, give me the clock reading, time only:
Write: 10:08
